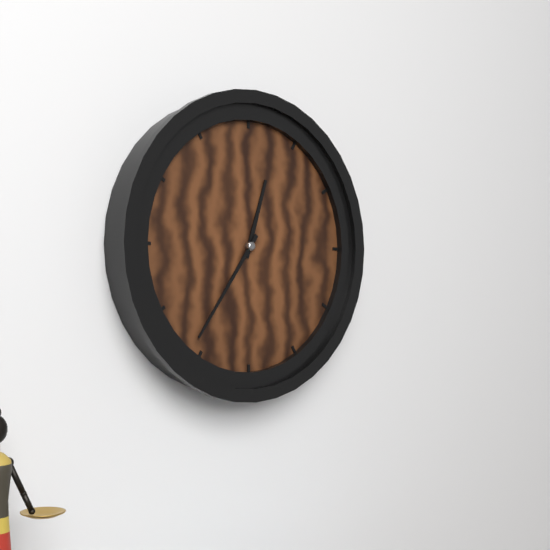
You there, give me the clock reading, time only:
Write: 12:36
